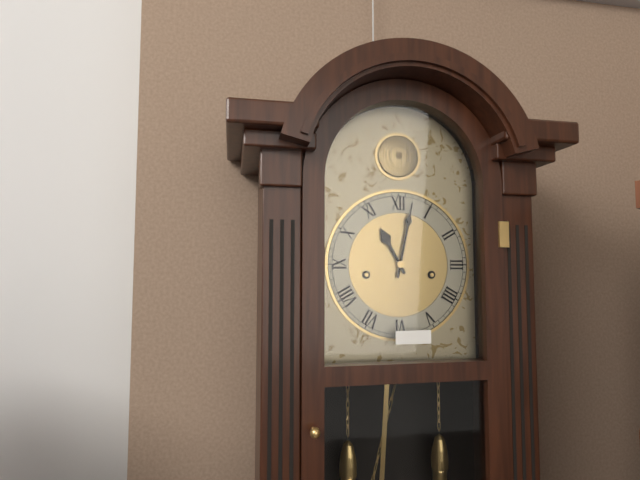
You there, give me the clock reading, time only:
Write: 11:02
